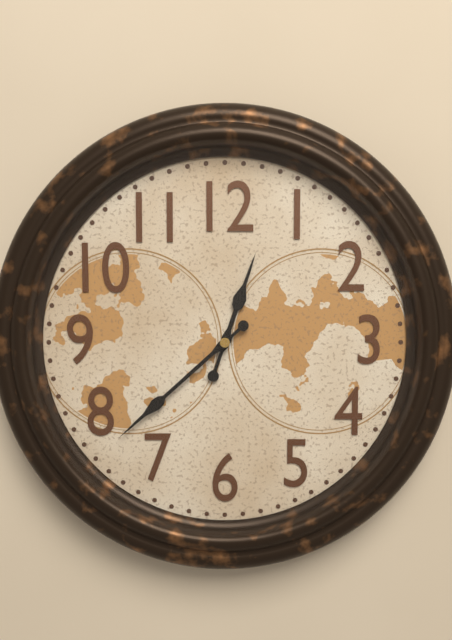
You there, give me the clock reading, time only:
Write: 12:38
